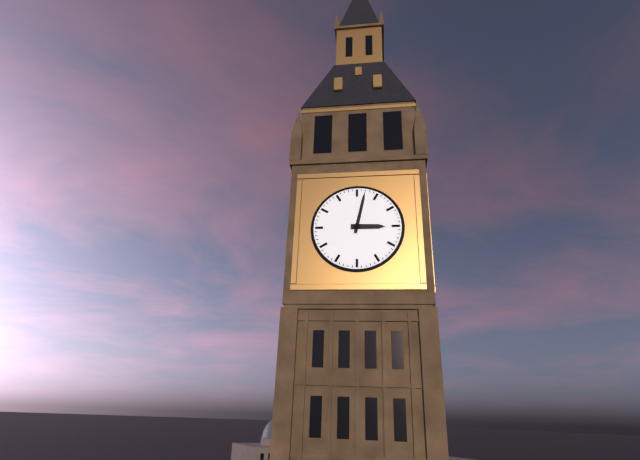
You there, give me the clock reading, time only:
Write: 3:02
